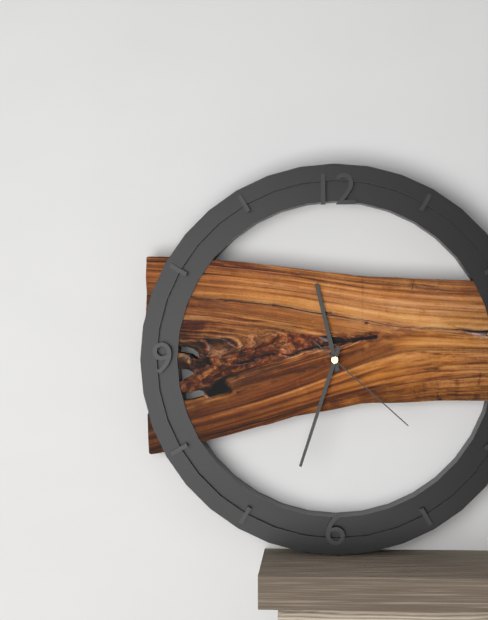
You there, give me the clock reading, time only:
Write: 11:33:22
